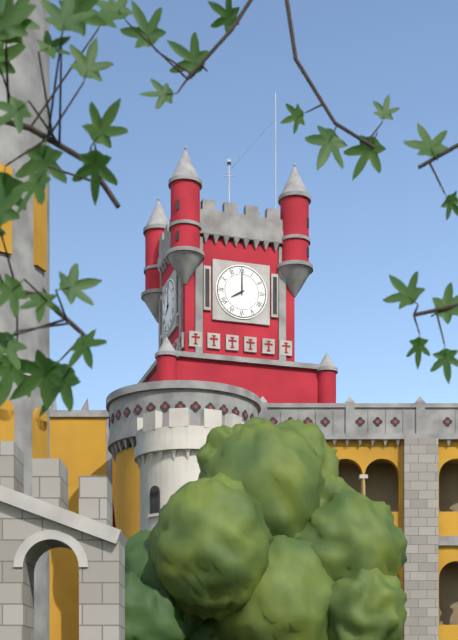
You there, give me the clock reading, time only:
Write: 8:00
